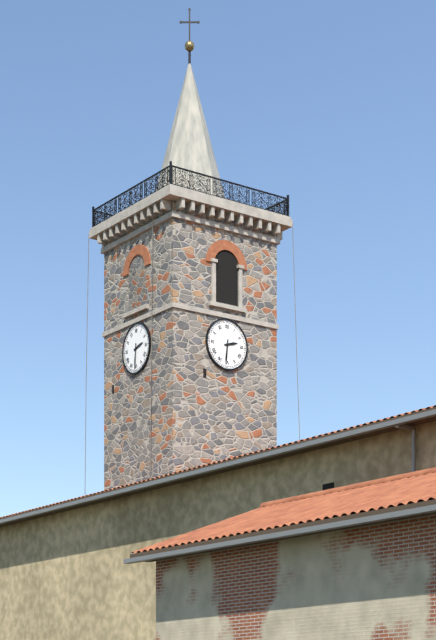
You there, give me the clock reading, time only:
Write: 2:31
